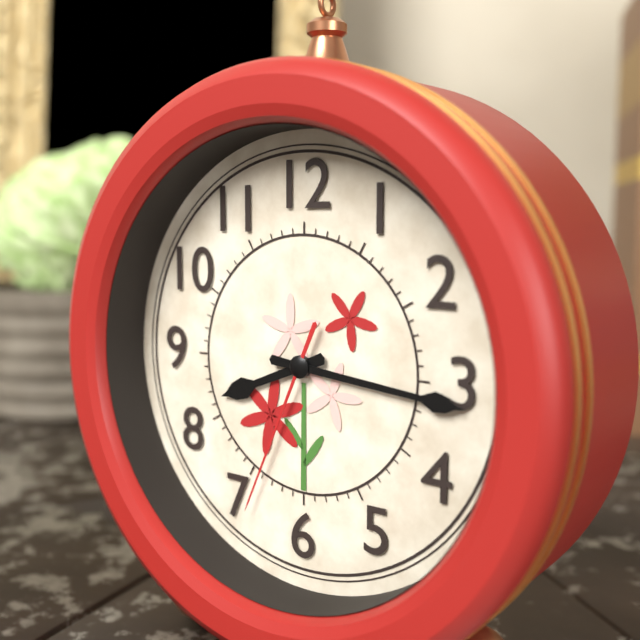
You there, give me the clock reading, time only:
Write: 8:16:34
